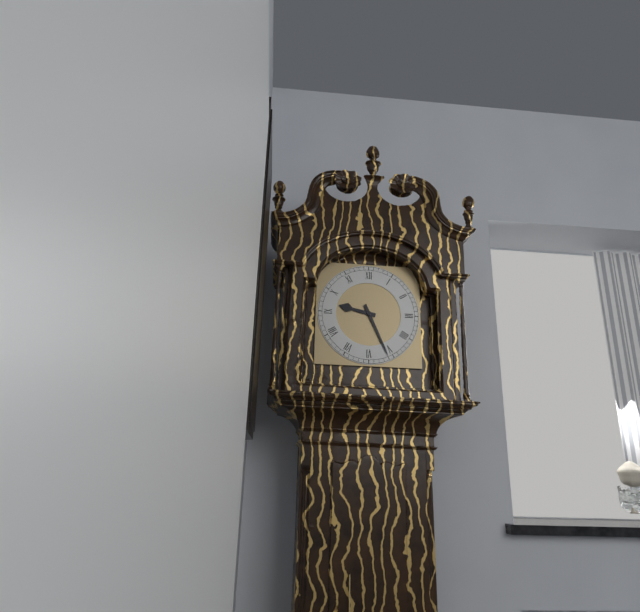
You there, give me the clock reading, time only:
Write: 9:26
